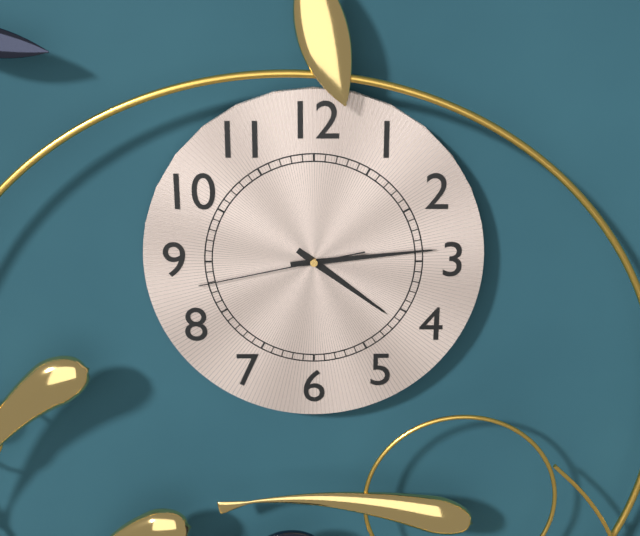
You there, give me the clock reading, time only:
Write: 4:14:43
